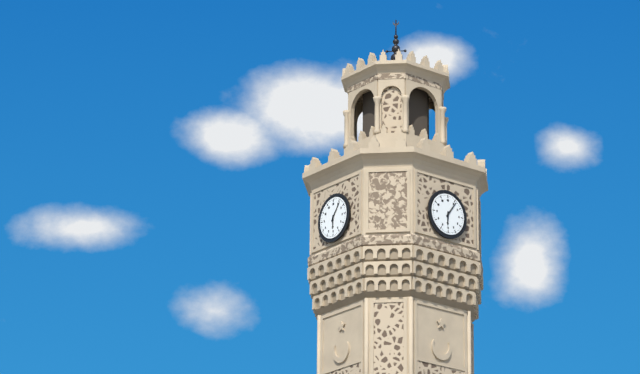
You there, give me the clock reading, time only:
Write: 6:06
